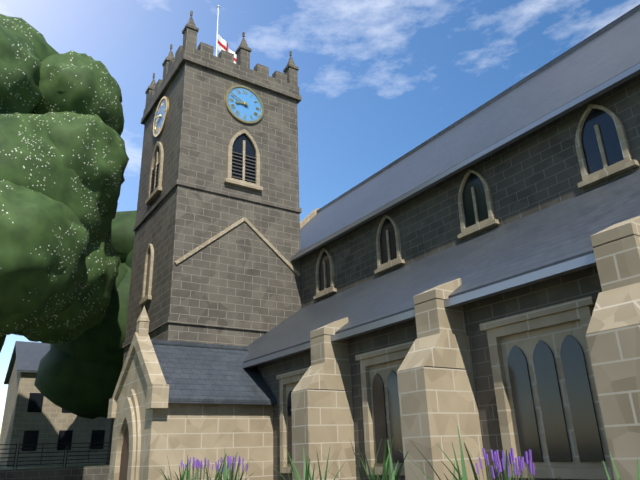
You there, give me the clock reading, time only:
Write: 8:49
